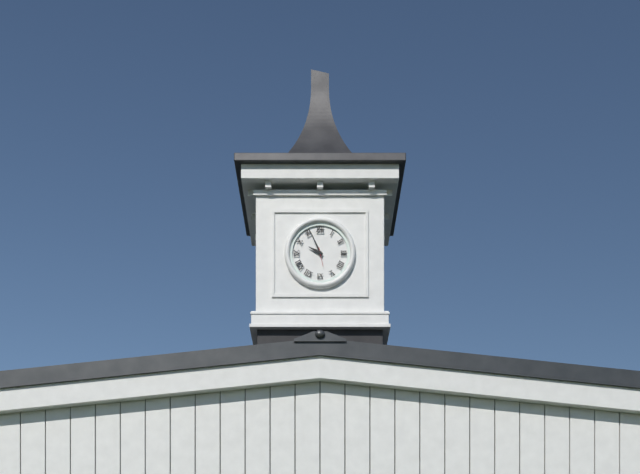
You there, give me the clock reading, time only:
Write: 9:56
